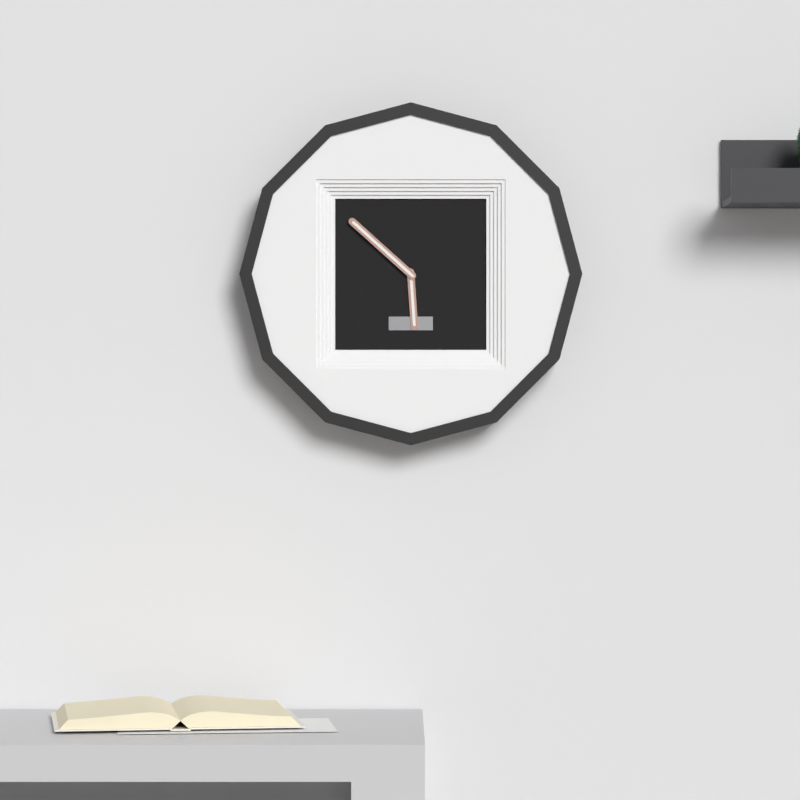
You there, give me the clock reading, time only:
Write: 5:52
